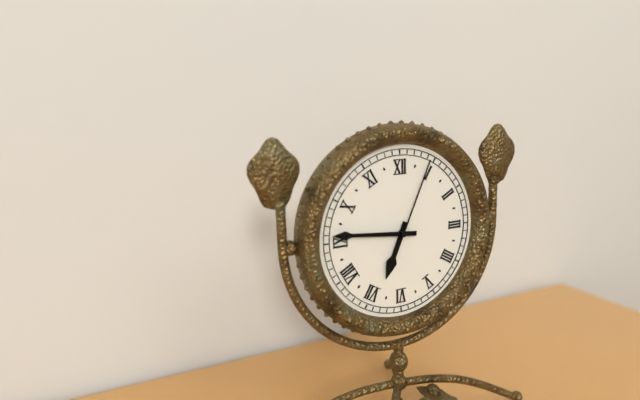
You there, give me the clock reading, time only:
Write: 6:46:04
